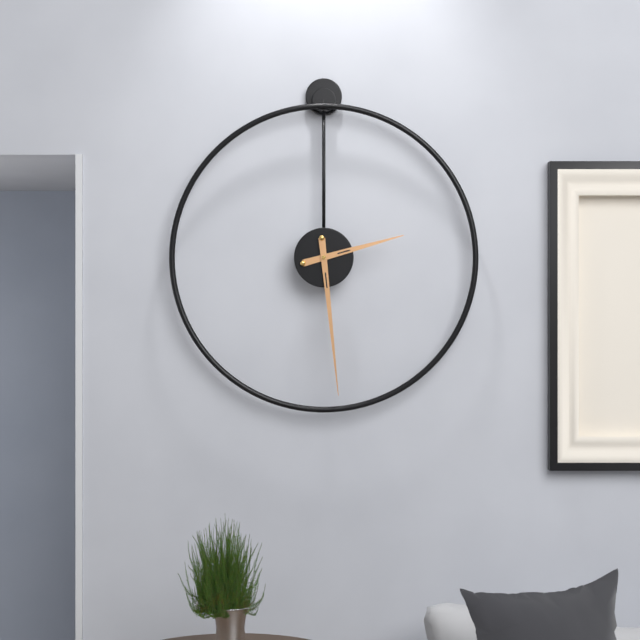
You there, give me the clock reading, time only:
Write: 2:29
